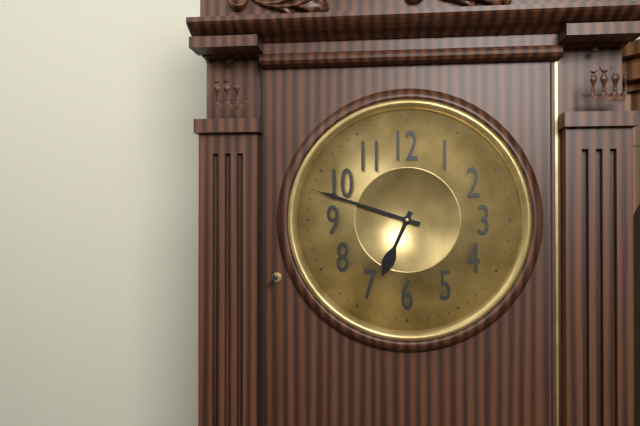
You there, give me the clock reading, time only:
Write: 6:48
